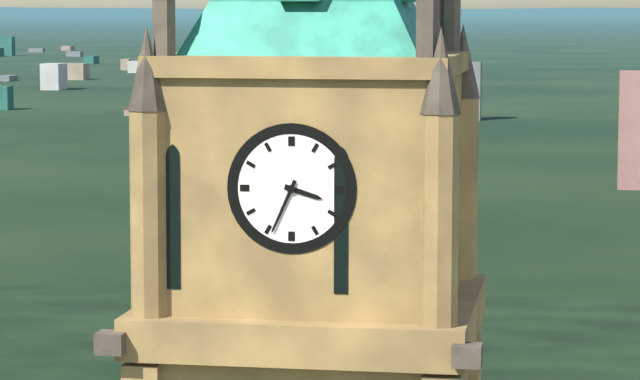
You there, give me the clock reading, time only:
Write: 3:34
